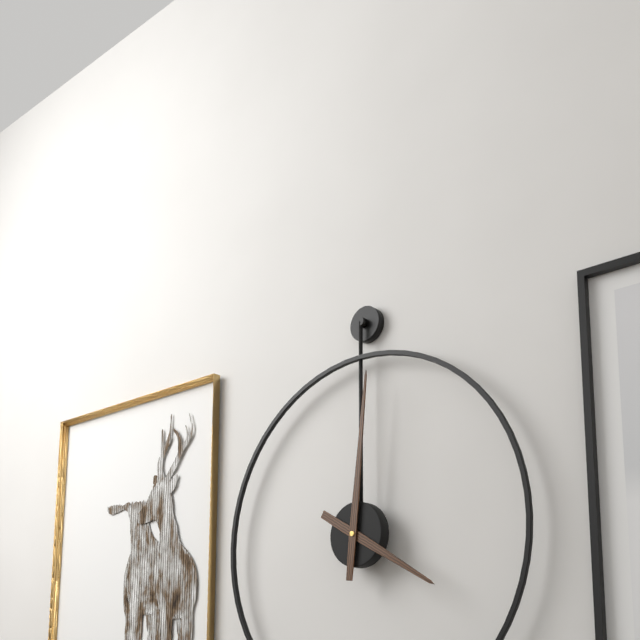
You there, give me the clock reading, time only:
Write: 4:01
